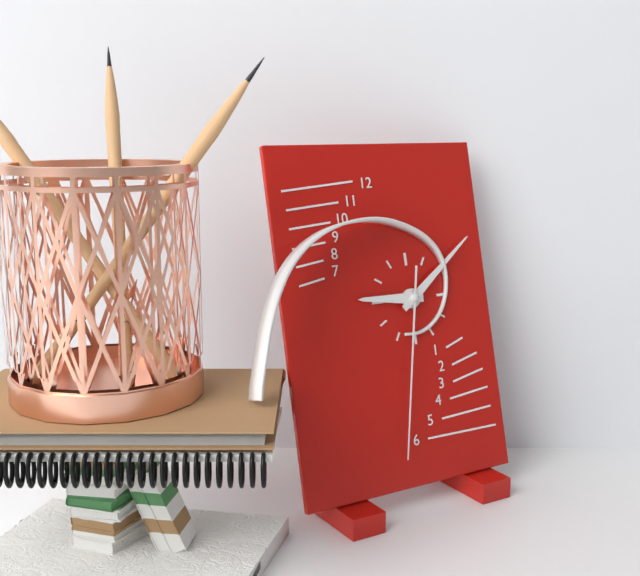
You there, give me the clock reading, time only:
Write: 9:09:32
